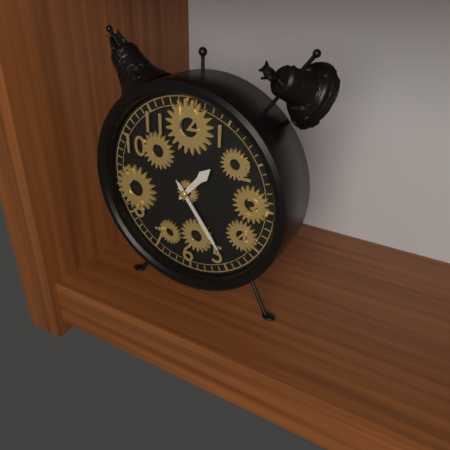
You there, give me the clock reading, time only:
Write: 1:24
